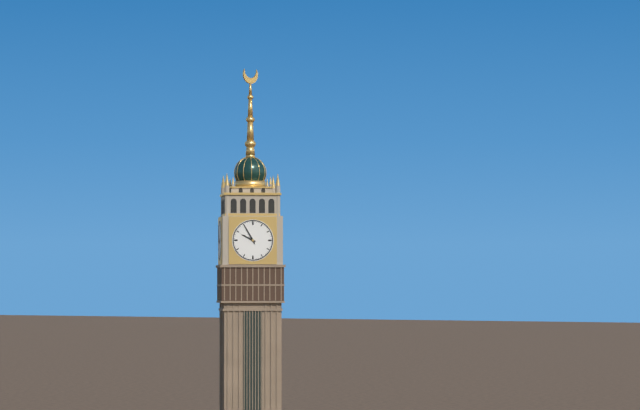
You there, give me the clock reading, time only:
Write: 9:55
